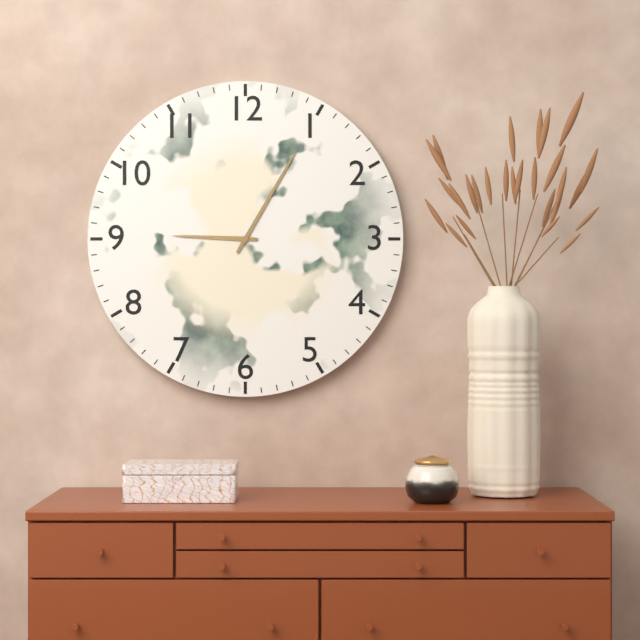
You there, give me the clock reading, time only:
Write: 9:05
